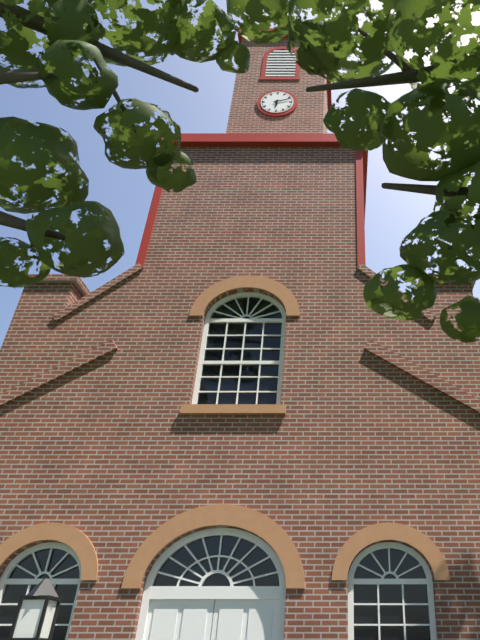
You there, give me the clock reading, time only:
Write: 6:12
